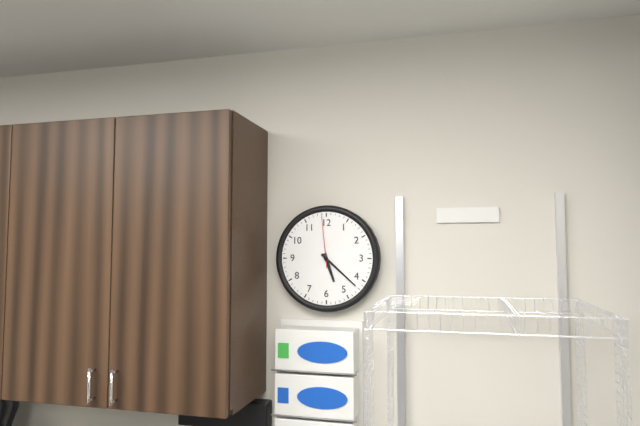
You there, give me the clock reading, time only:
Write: 5:22:59
